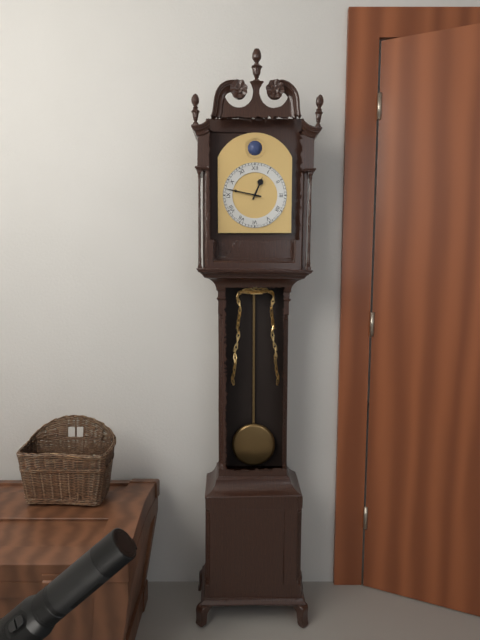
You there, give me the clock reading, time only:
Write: 12:47
